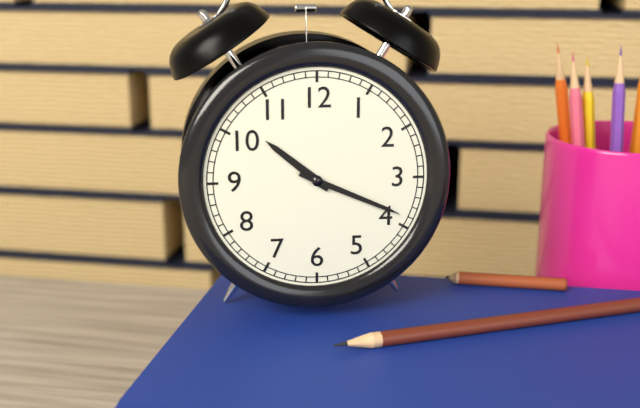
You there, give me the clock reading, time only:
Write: 10:19
